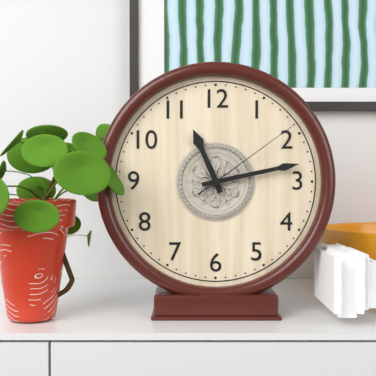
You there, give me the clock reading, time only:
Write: 11:13:09
